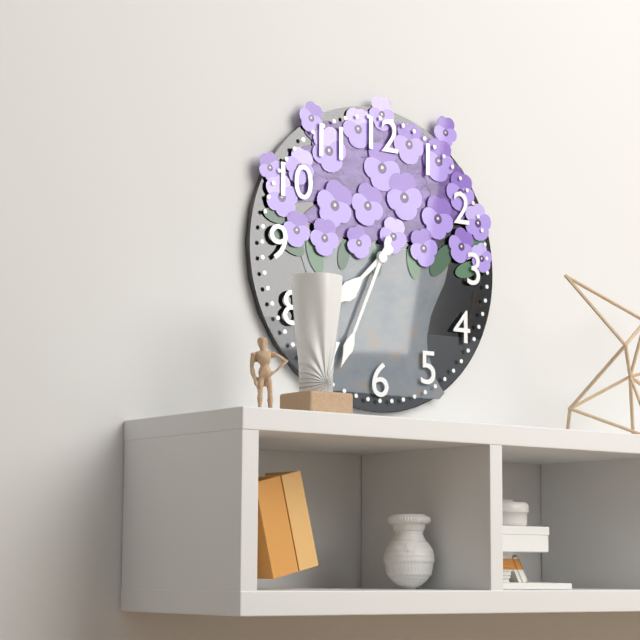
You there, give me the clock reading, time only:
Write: 7:34
